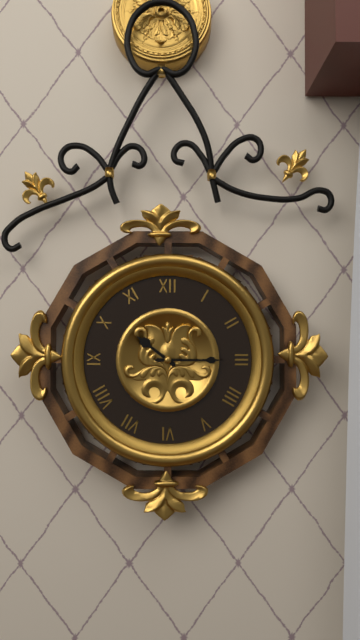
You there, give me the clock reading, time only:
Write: 10:15
